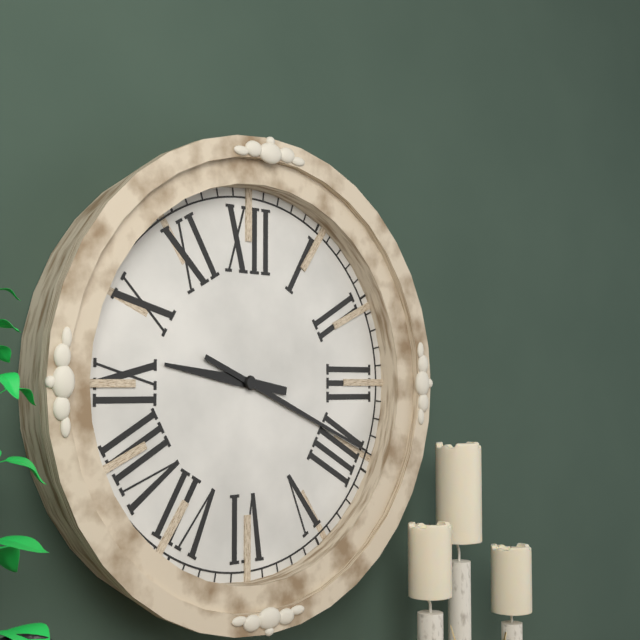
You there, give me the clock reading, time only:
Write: 9:19
